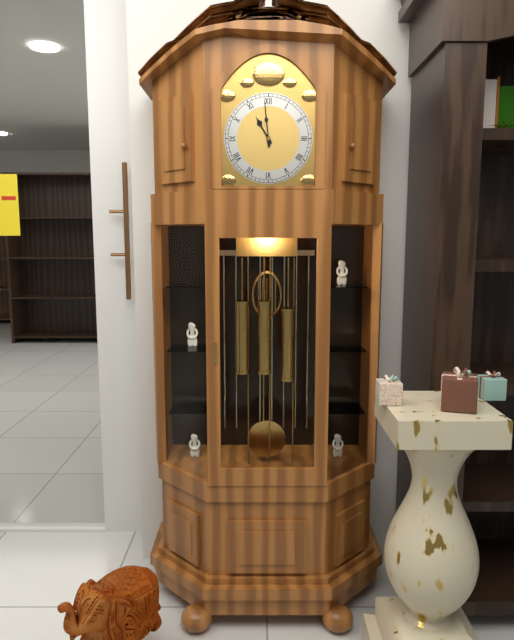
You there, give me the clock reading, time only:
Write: 10:59
